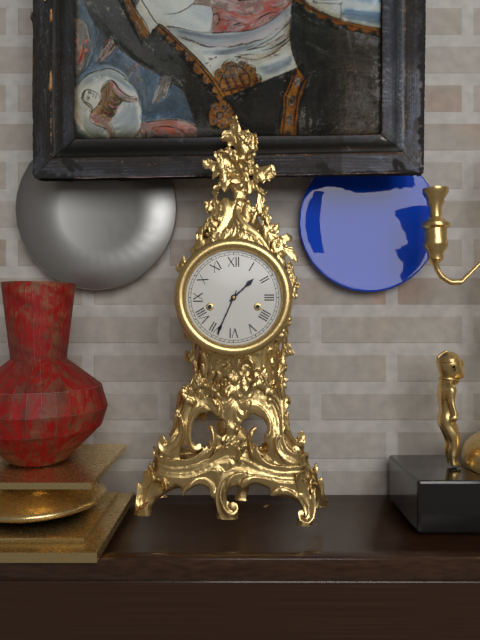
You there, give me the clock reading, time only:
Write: 1:34
